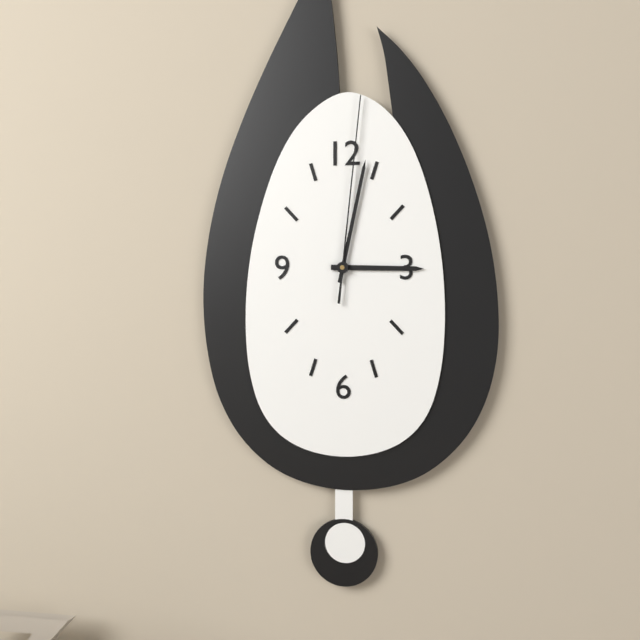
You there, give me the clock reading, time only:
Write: 3:02:01
